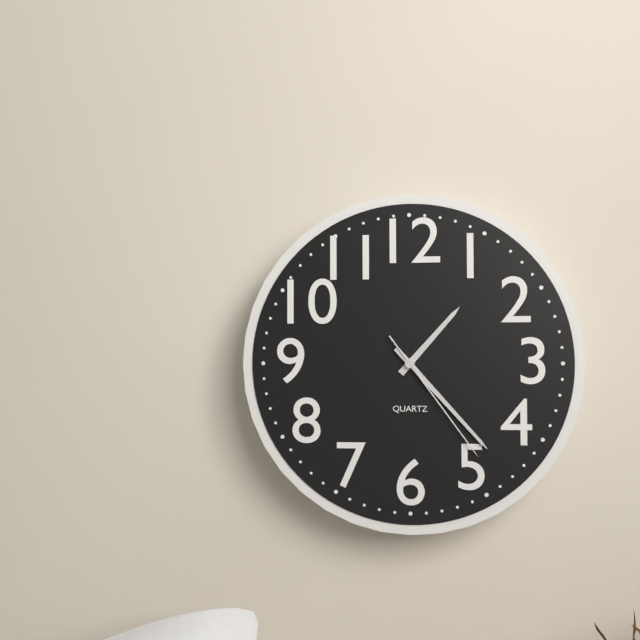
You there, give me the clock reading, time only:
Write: 1:23:24
